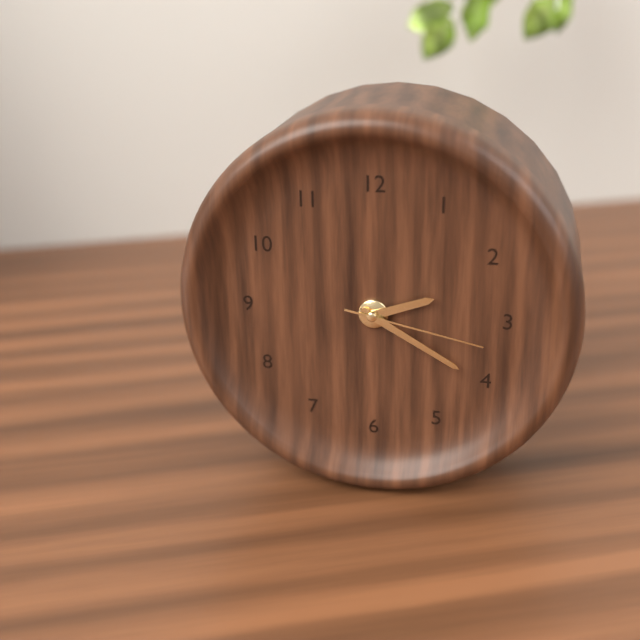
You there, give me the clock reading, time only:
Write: 2:20:17
